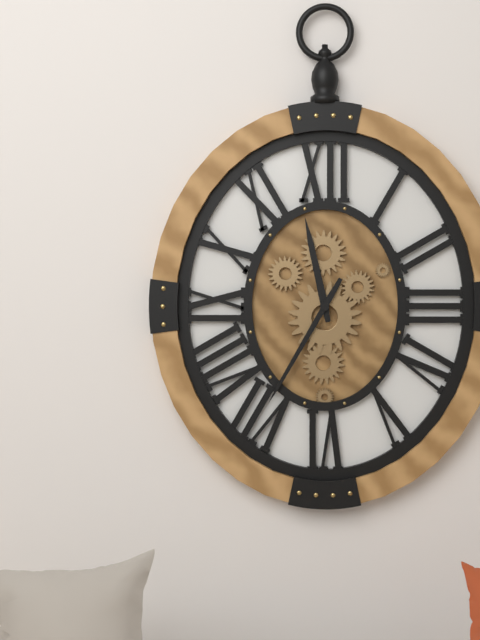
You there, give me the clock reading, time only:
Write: 11:35
